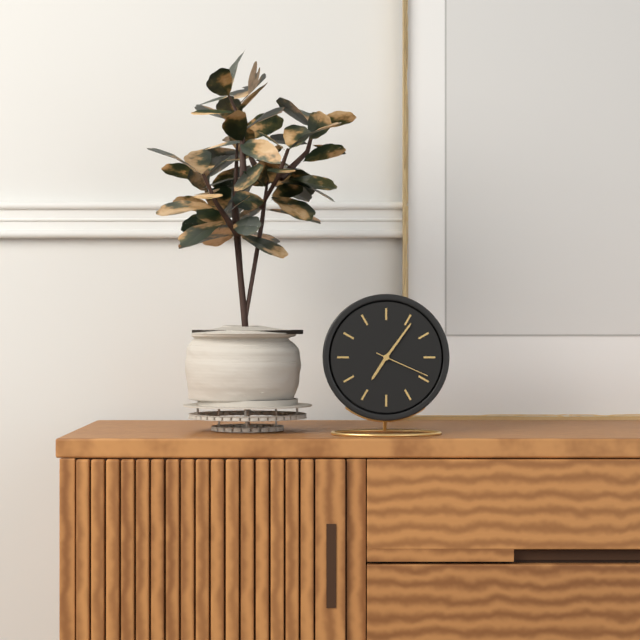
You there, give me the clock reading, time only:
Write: 7:06:19
